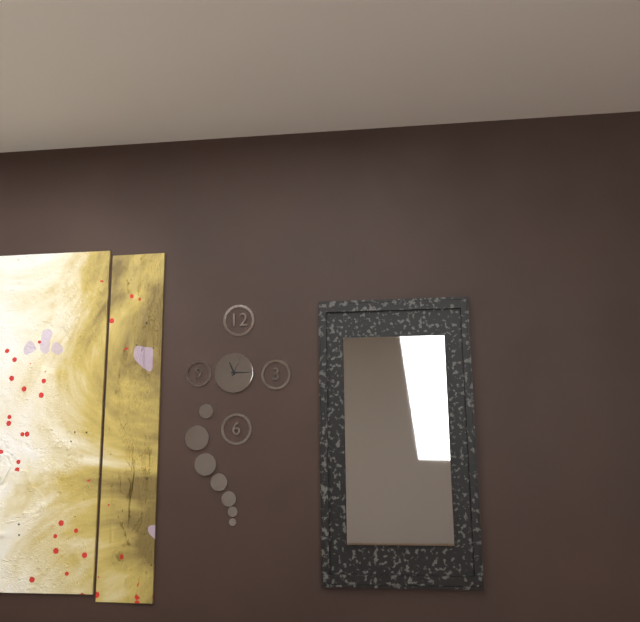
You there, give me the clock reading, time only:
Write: 11:15
